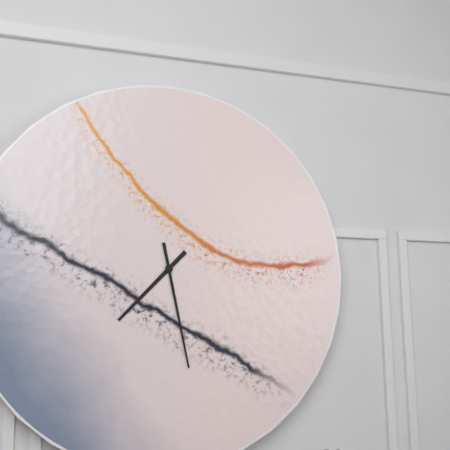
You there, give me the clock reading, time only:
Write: 7:28
